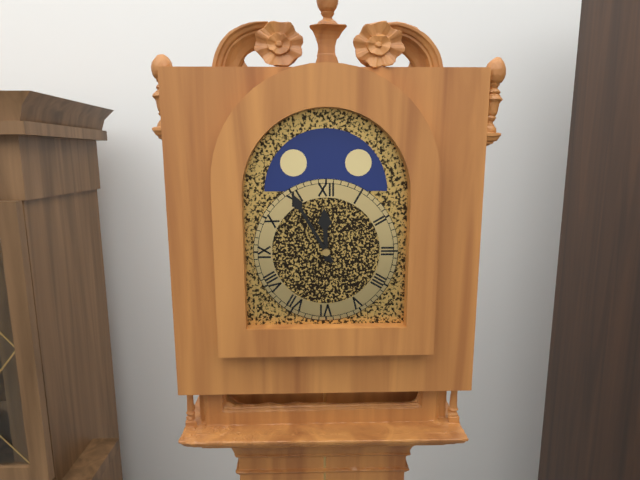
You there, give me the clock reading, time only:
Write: 11:55
